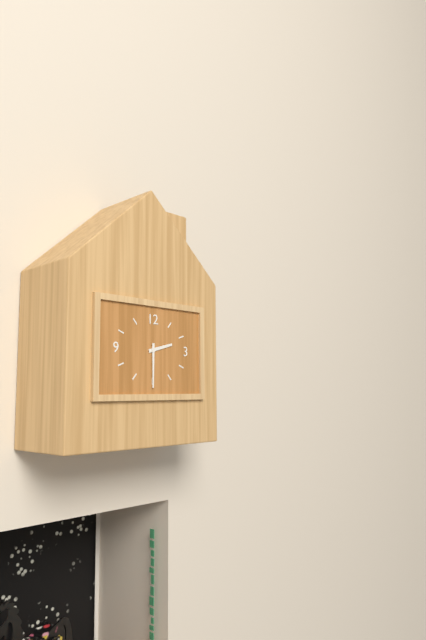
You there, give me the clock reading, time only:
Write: 2:30
